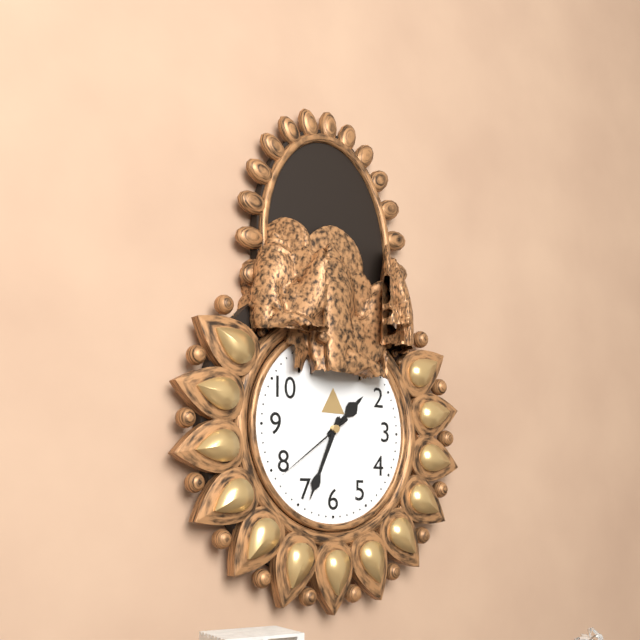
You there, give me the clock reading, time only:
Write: 1:34:39
